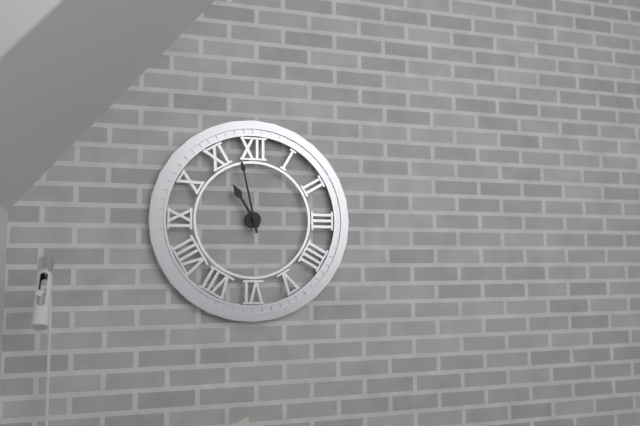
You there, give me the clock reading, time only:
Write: 10:58
